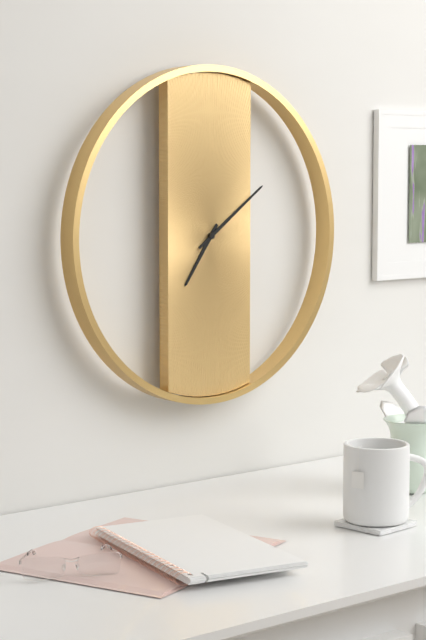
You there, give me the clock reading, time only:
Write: 7:09
